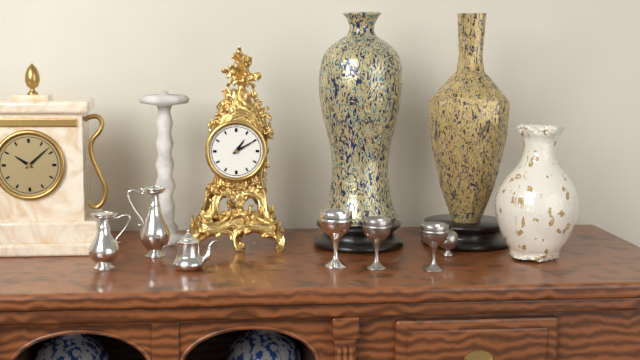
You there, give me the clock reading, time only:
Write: 1:10
